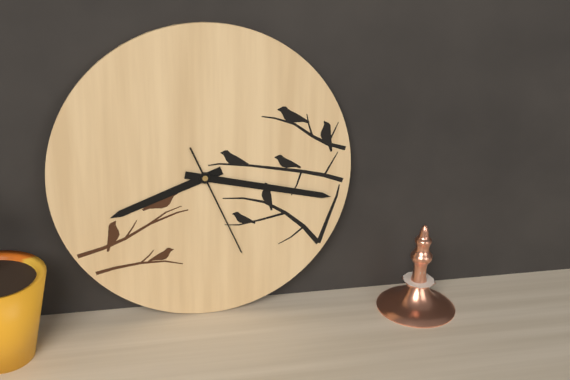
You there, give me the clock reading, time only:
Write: 8:17:26
